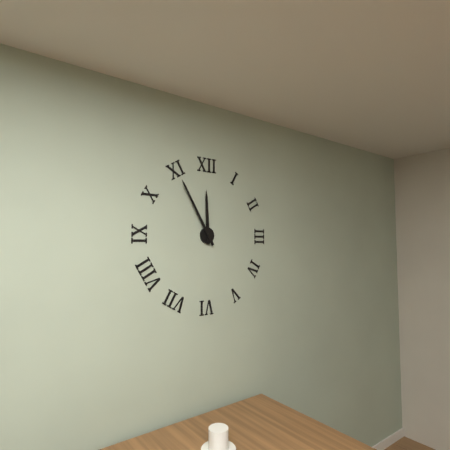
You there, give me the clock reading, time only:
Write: 11:55
